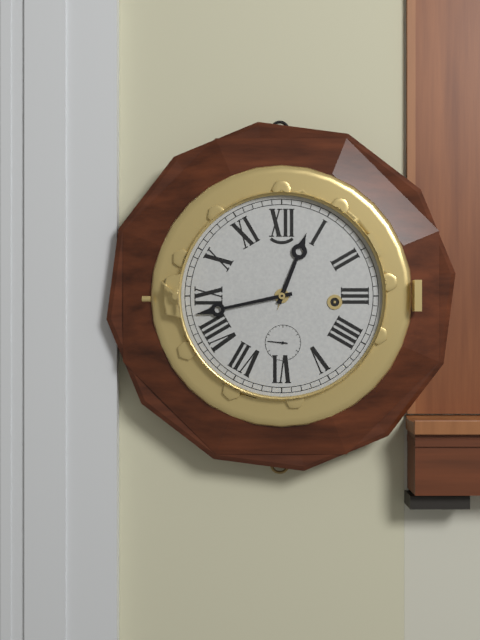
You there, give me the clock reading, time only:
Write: 12:43
